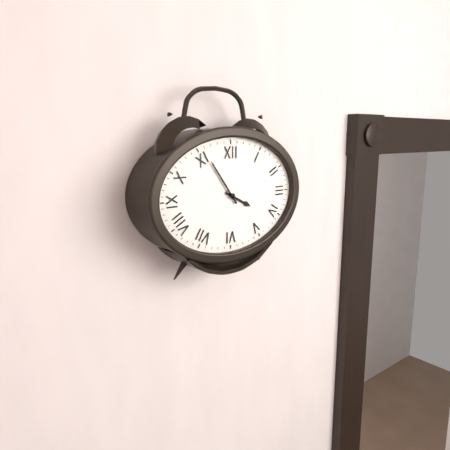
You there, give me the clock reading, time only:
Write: 3:54
